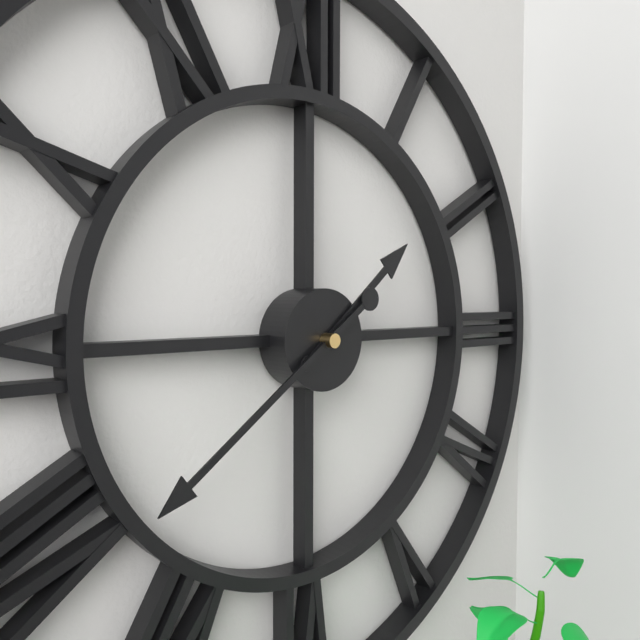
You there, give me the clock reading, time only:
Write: 1:39
